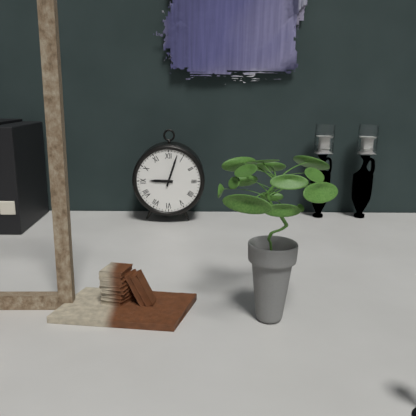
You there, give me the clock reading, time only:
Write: 9:03
